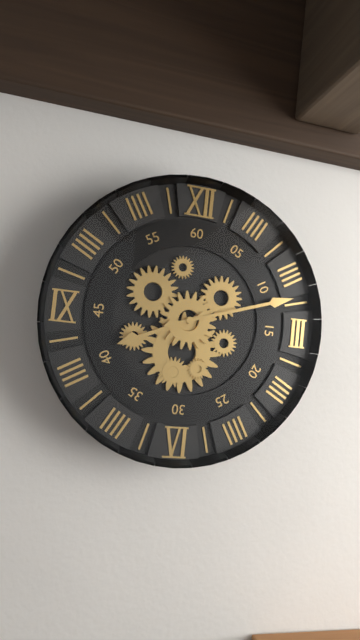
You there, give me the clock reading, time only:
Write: 8:12
